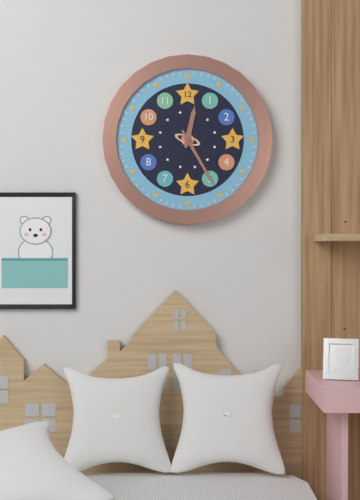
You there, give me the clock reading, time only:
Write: 12:25
